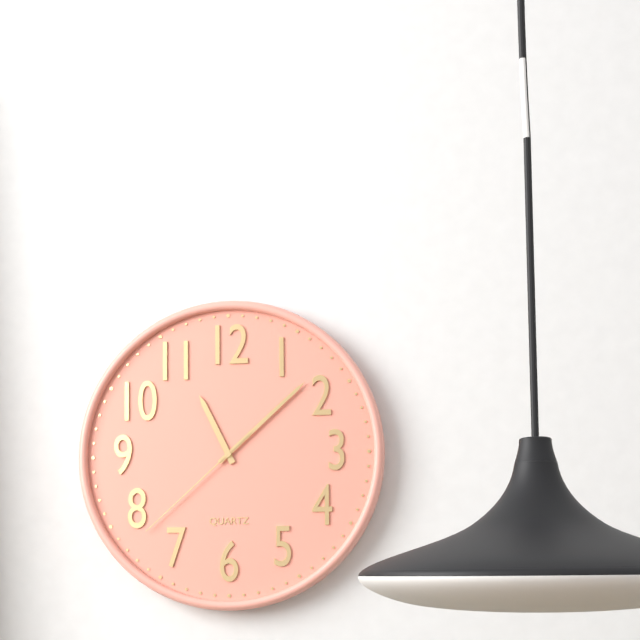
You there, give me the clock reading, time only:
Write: 11:08:38
